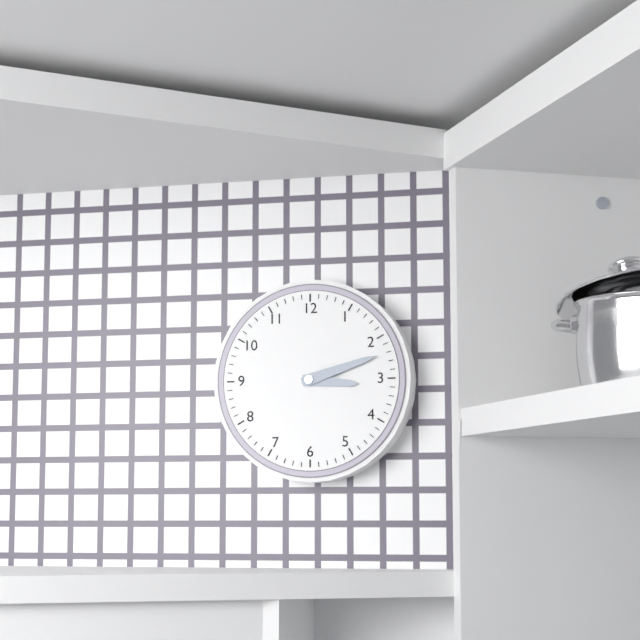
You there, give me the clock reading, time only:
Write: 3:12
